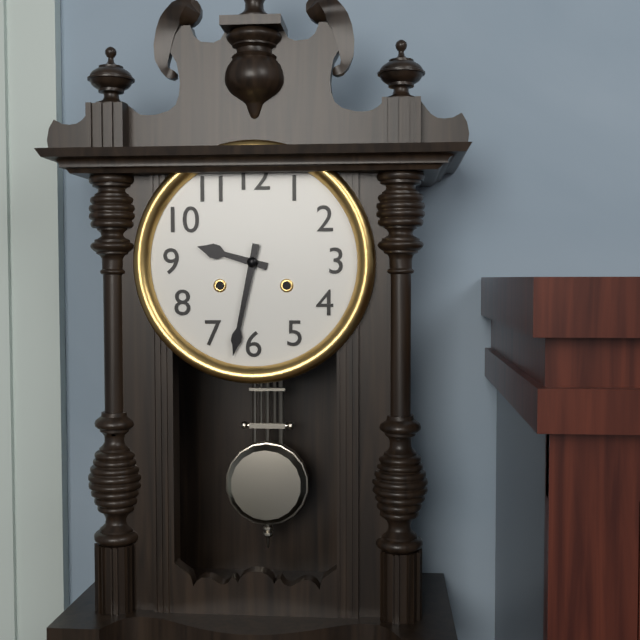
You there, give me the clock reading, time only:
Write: 9:32
